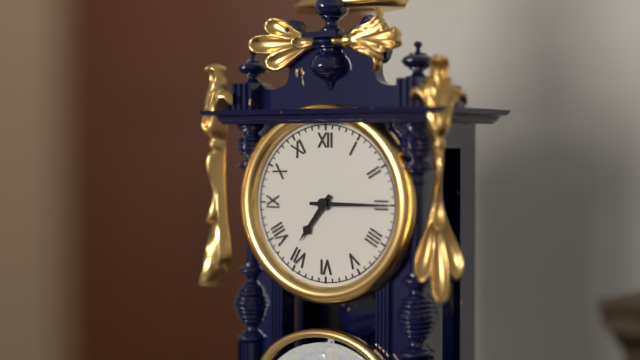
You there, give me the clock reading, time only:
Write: 7:15
